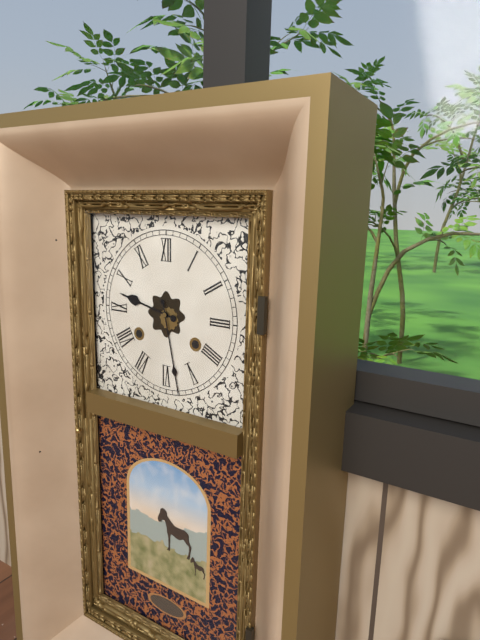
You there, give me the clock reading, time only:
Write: 9:28
